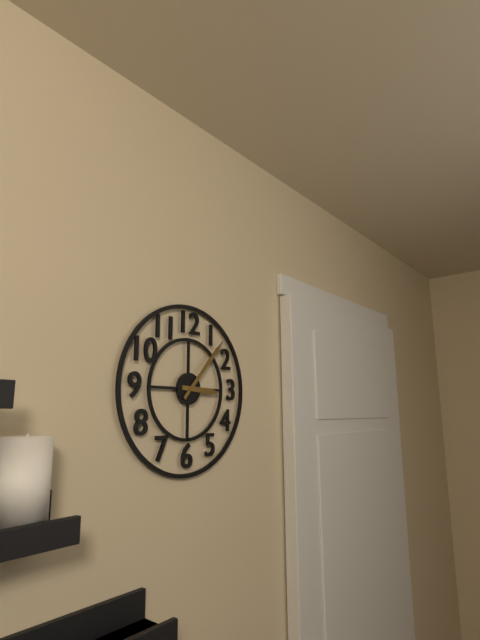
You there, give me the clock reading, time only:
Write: 3:07
